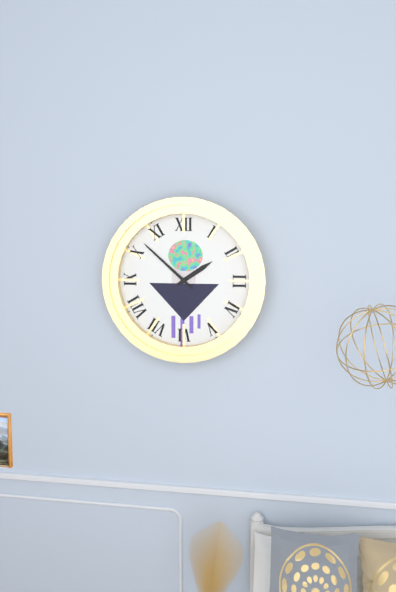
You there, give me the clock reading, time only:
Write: 1:52
